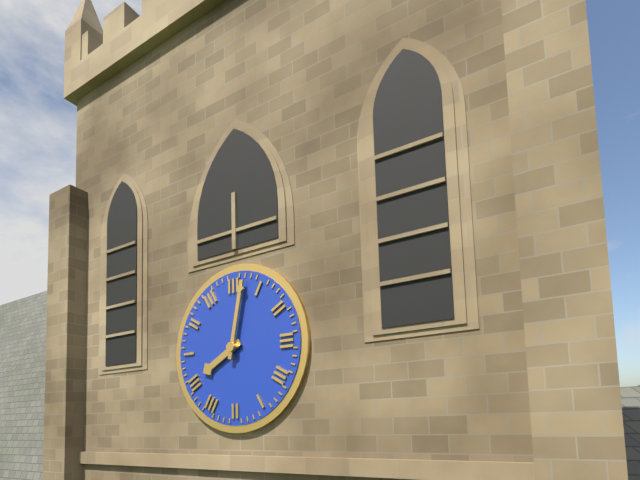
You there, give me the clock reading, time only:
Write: 8:02
